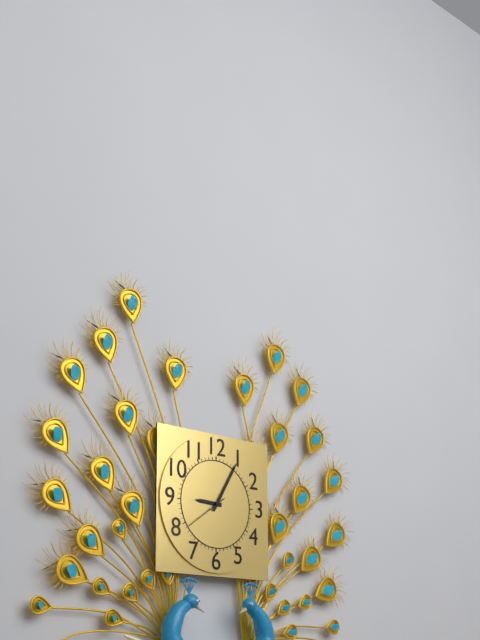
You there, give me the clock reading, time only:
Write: 9:05
